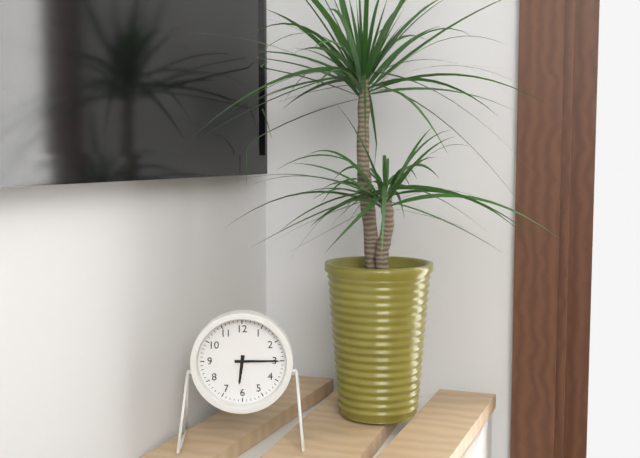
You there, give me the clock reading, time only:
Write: 6:15
